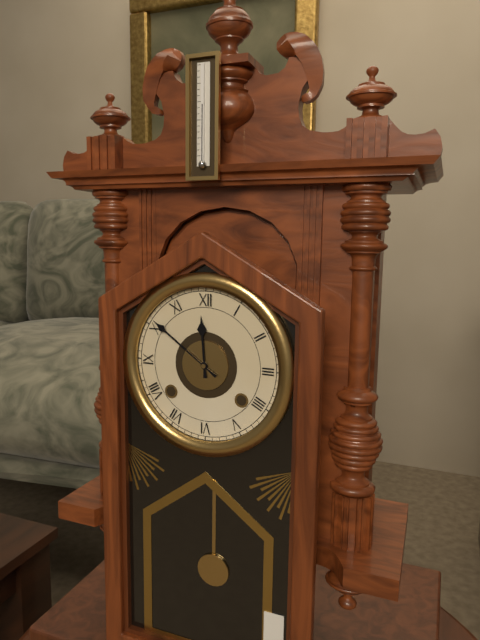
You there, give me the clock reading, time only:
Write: 11:51
